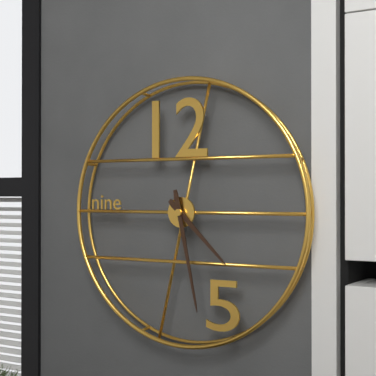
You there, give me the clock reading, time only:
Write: 4:28
